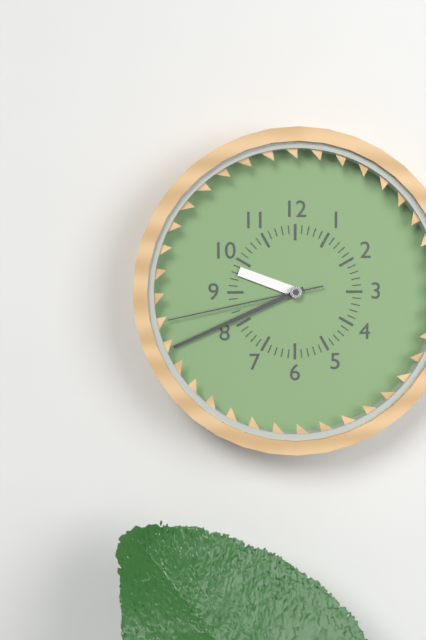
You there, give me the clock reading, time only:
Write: 9:41:43
